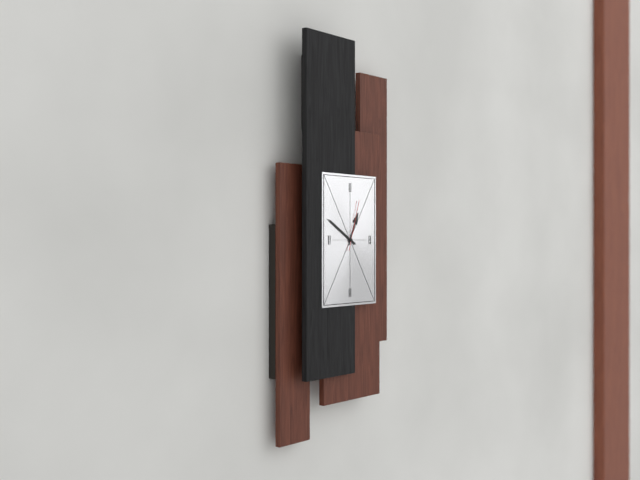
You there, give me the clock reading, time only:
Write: 12:50:03
